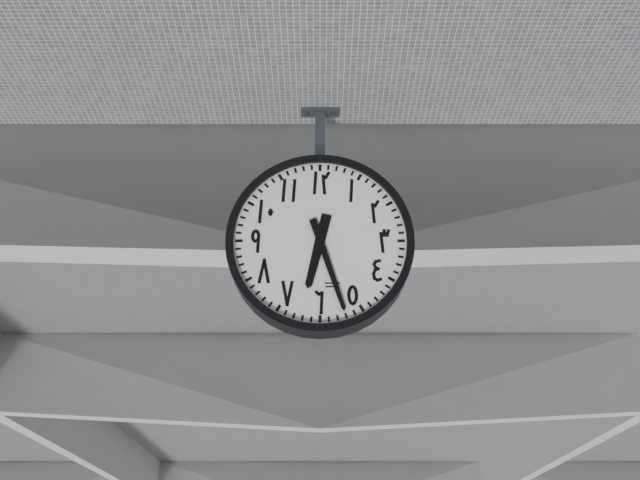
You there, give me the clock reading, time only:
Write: 6:27
